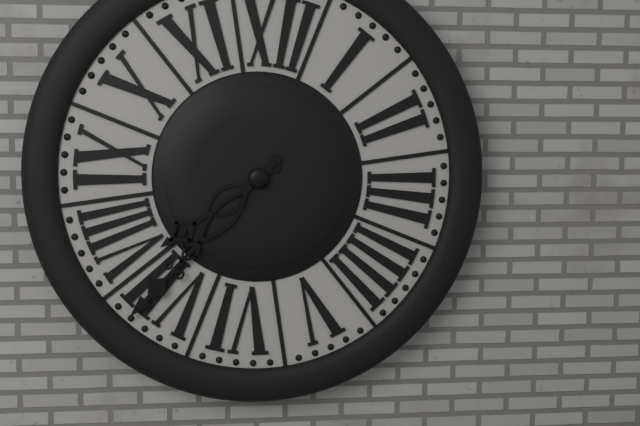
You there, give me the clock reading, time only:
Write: 7:36
